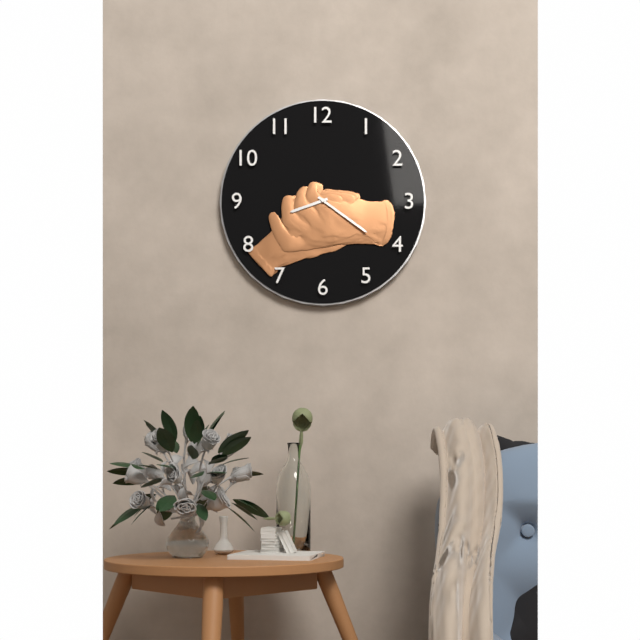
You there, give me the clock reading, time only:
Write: 8:21
